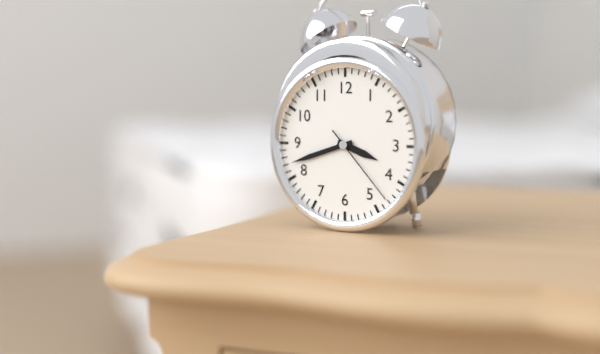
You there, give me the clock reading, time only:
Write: 3:42:23
